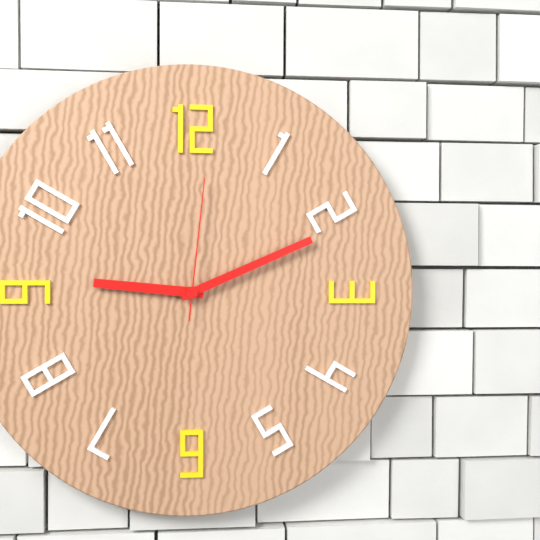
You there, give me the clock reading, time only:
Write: 9:11:01
